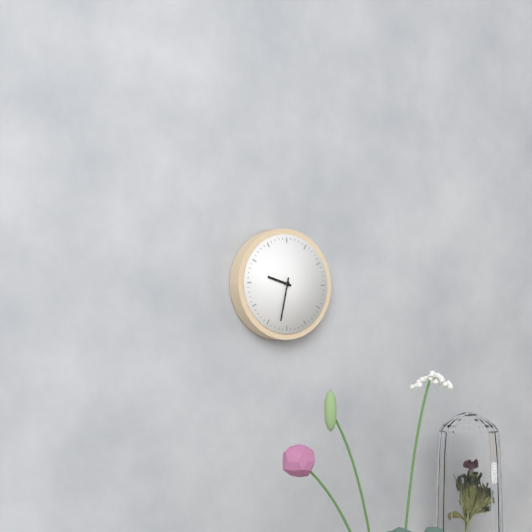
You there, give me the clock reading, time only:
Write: 9:32
